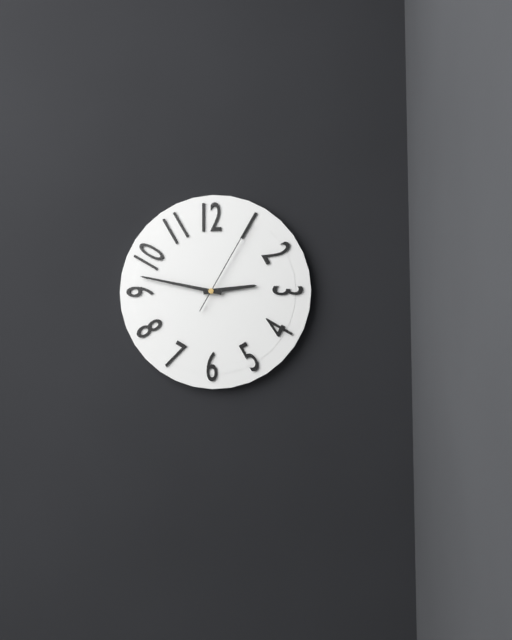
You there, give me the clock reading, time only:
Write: 2:47:05
